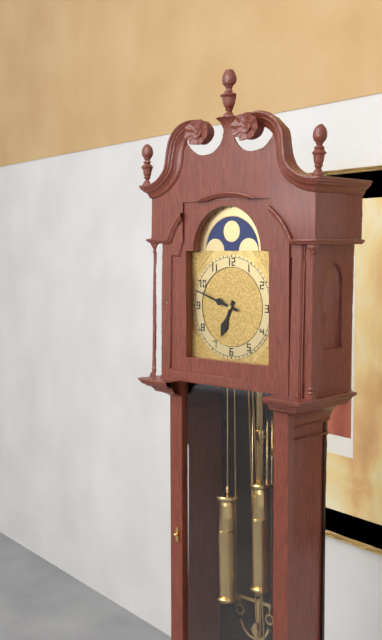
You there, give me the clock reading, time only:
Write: 6:48
